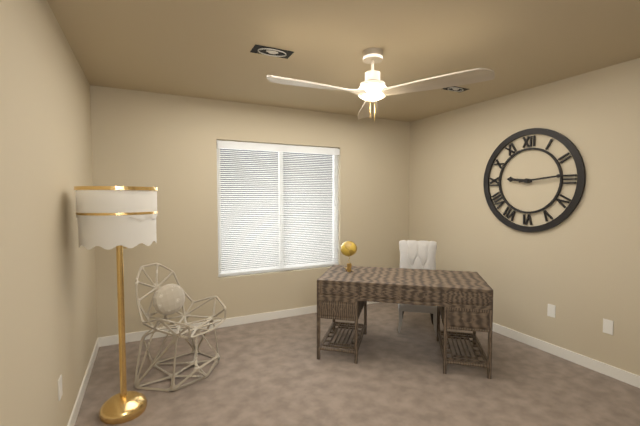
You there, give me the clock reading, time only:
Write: 9:14
